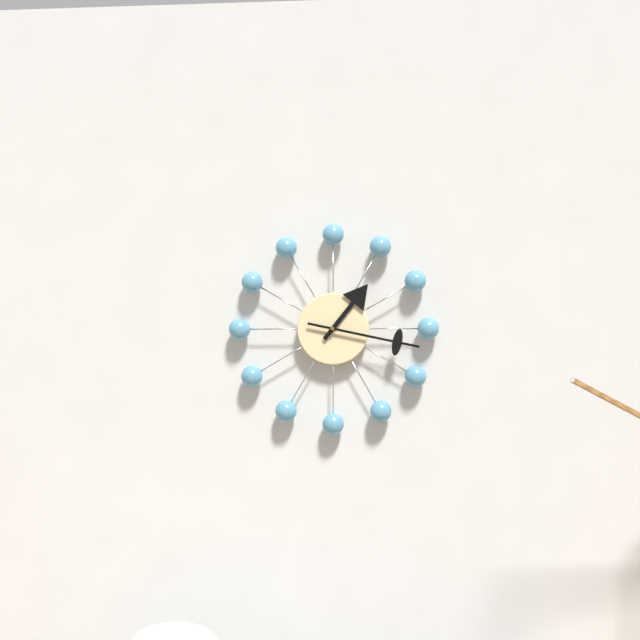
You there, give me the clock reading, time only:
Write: 1:17
